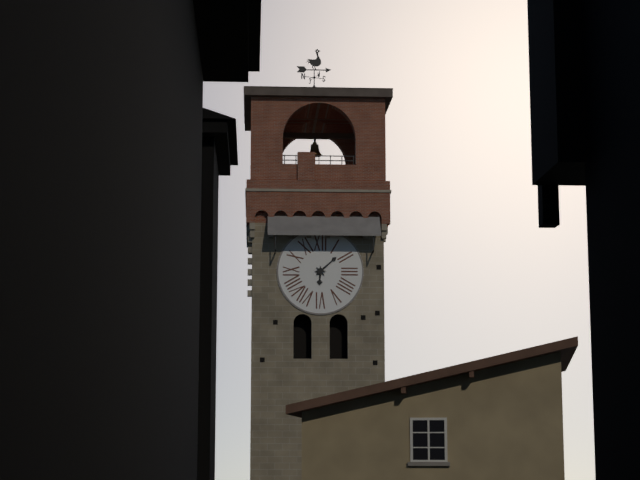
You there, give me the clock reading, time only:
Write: 6:08
